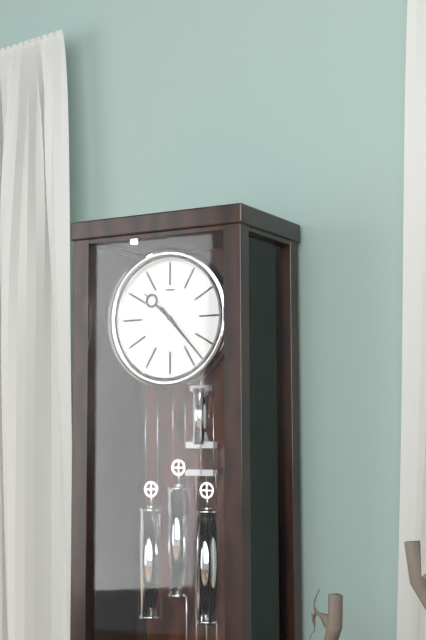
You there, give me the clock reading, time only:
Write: 10:23
